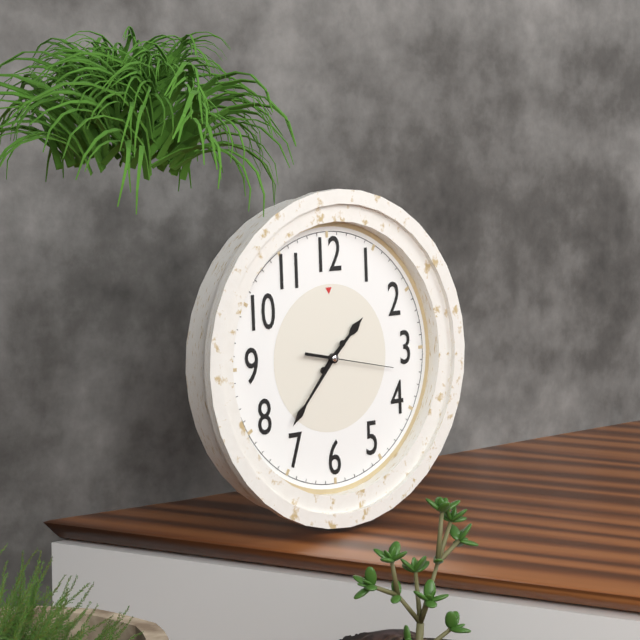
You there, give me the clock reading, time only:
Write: 1:37:17
